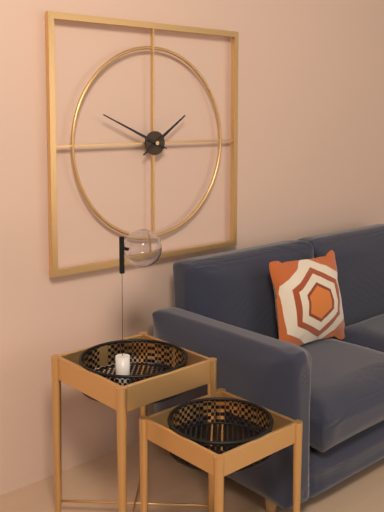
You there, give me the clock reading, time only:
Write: 1:49
